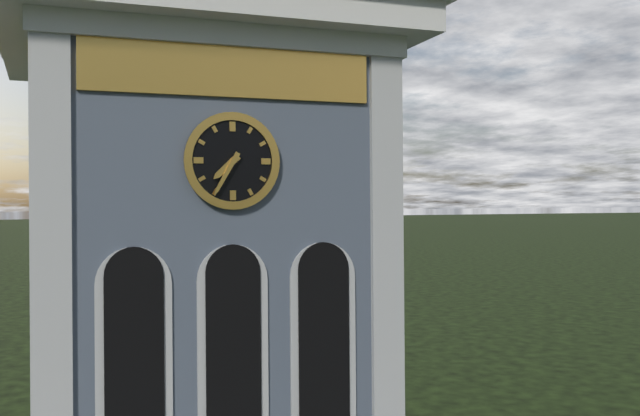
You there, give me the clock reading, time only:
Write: 7:35
